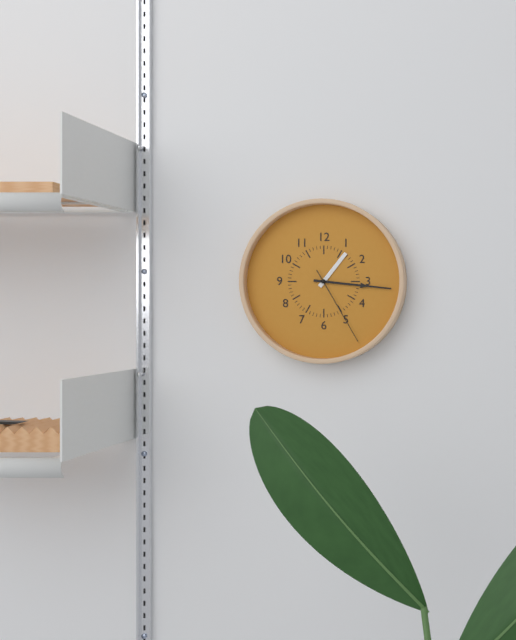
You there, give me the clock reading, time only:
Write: 1:16:25
